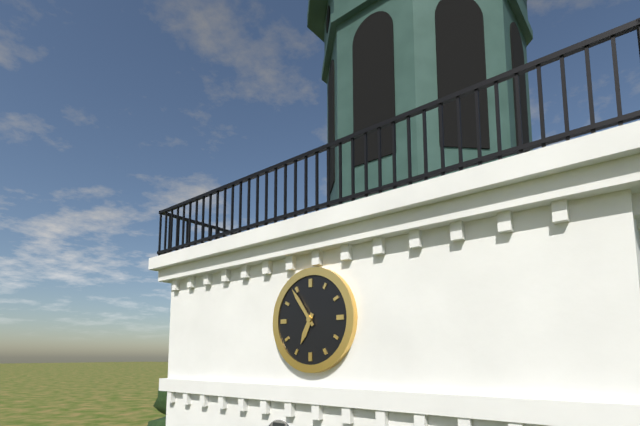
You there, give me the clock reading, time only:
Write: 6:54
